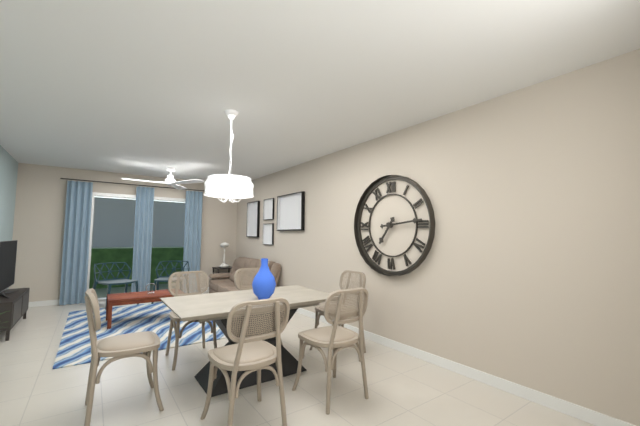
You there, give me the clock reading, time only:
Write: 7:14
